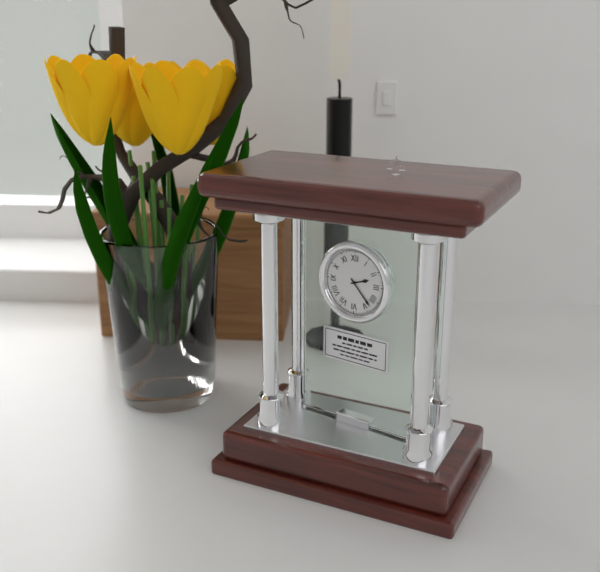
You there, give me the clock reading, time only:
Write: 2:23
